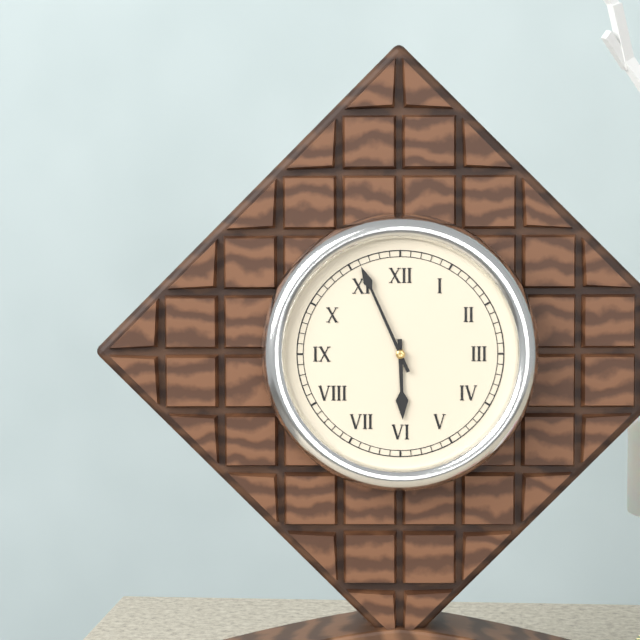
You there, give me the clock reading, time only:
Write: 5:56
